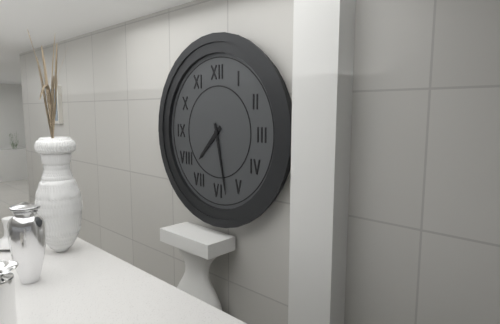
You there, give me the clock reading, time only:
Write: 7:28
